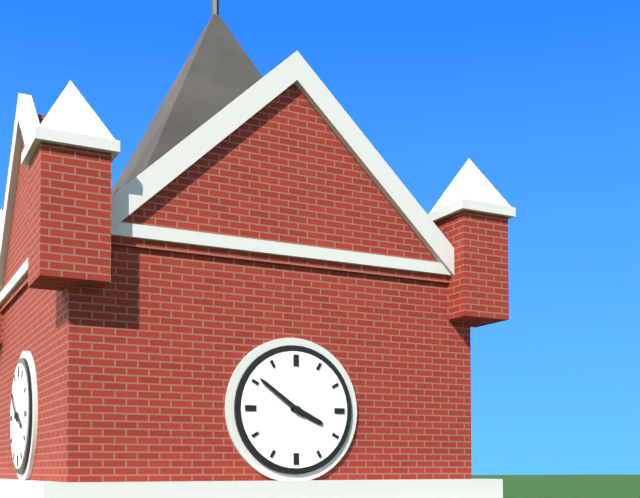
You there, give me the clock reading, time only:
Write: 3:51
